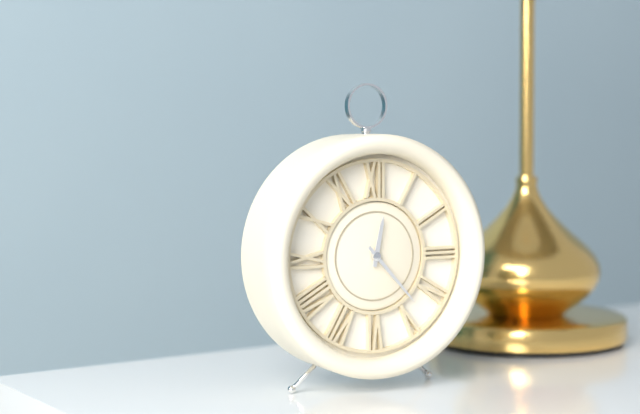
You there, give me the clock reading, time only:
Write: 12:23
